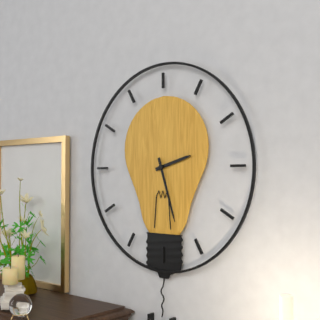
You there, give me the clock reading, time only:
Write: 2:27
